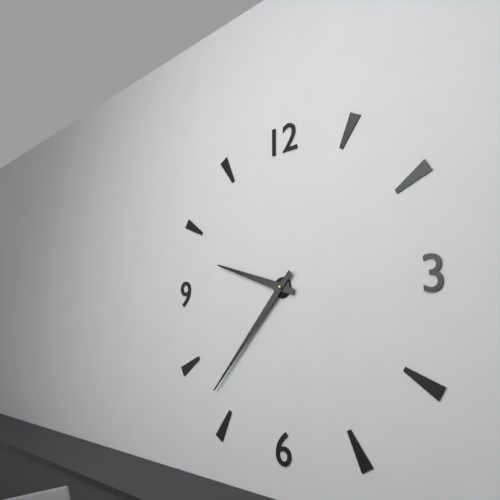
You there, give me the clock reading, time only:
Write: 9:37
